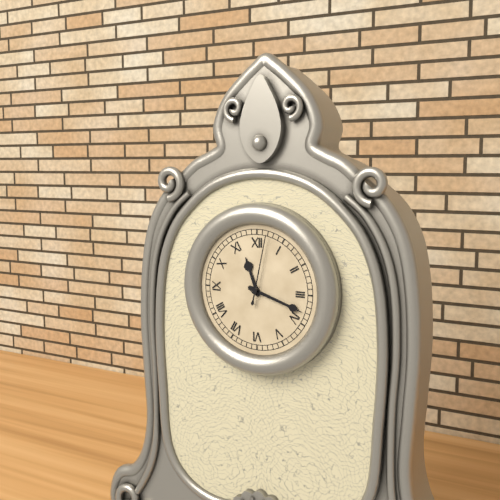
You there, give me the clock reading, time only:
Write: 11:18:02
